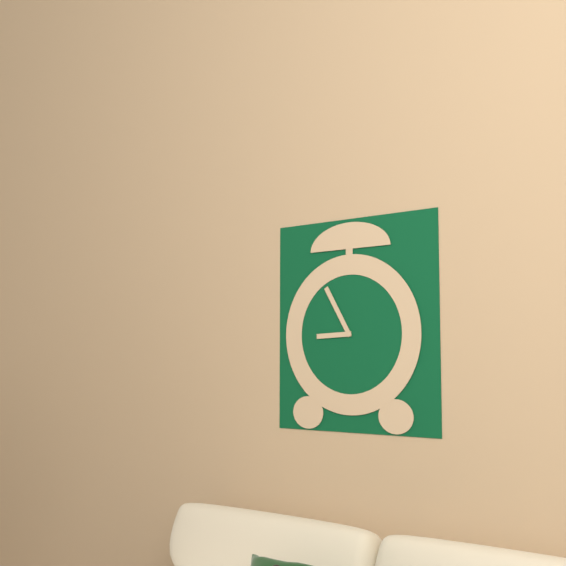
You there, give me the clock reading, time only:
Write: 8:55
